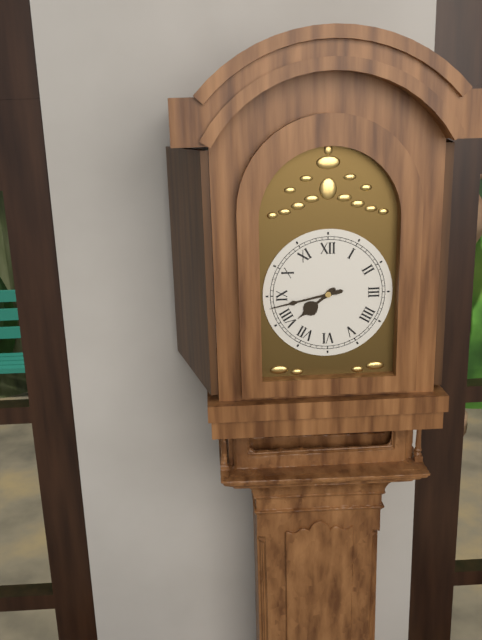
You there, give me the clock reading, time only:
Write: 7:43
